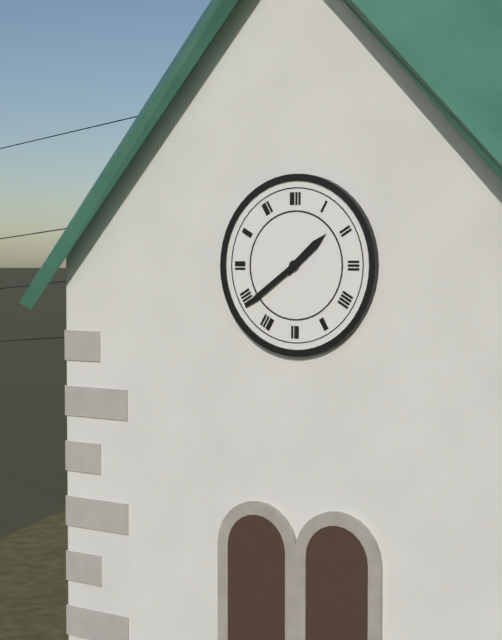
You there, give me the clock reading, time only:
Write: 1:39
